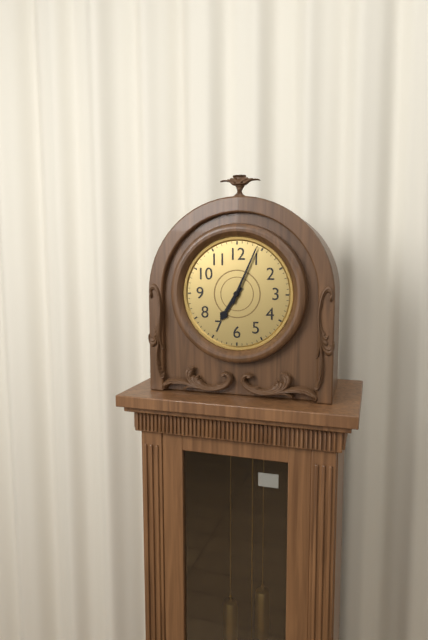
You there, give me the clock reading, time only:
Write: 7:04
